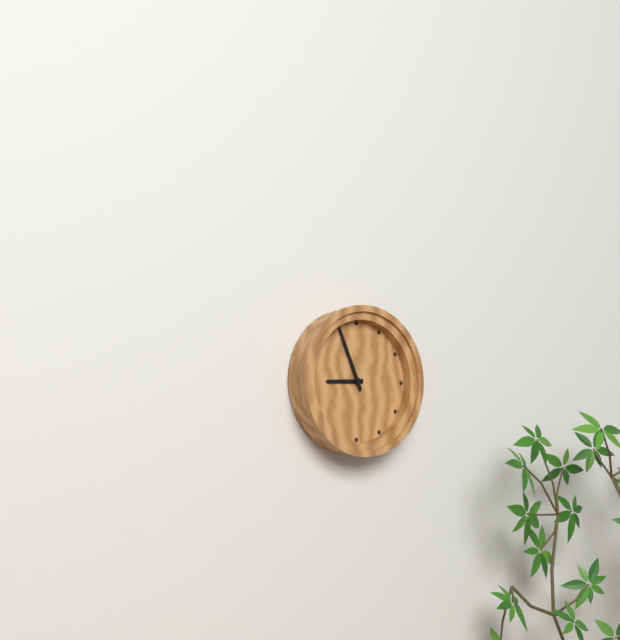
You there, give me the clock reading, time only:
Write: 8:56
